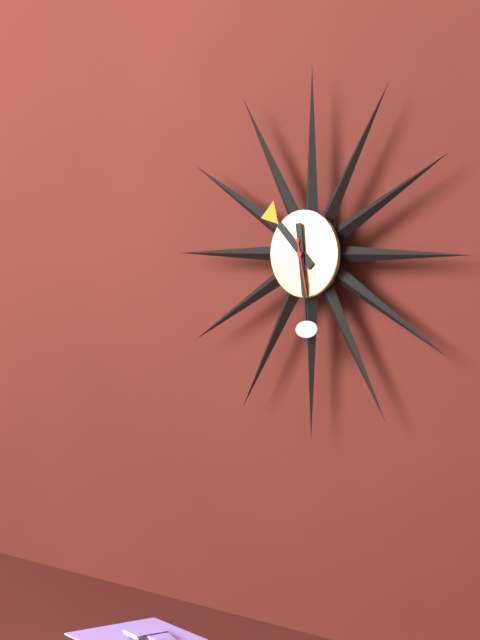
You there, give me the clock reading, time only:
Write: 10:29:28
